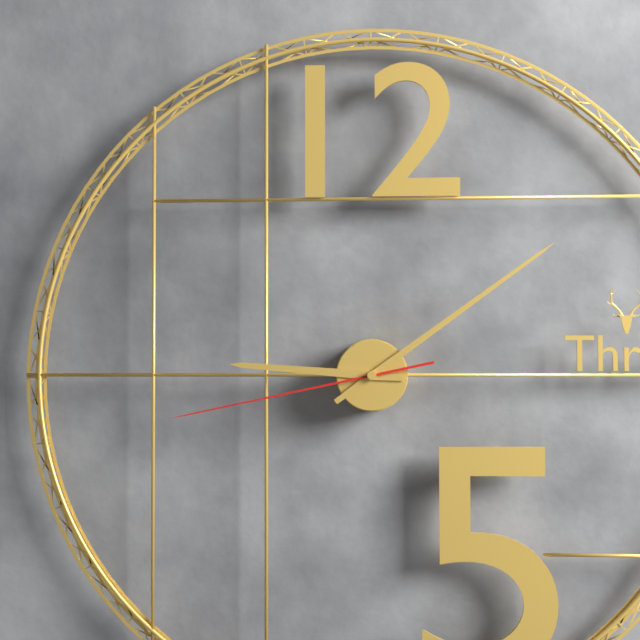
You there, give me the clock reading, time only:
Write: 9:09:43
